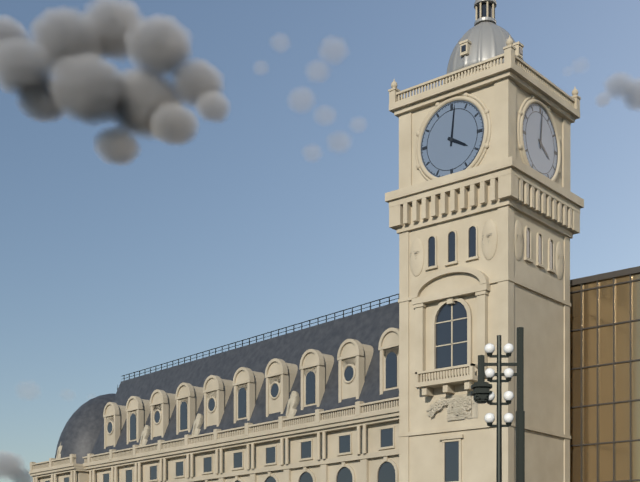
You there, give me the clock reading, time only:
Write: 4:01
